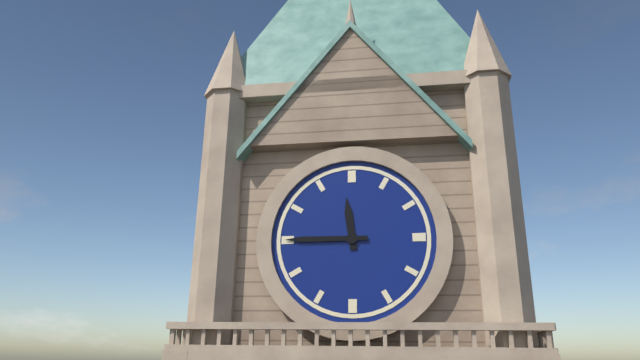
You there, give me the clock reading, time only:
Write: 11:45
